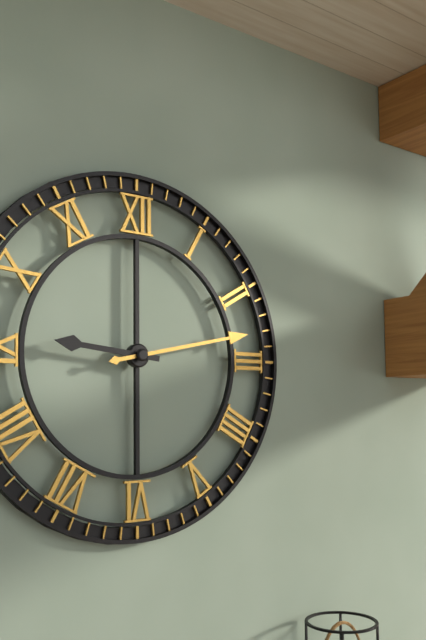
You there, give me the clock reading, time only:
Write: 9:13
